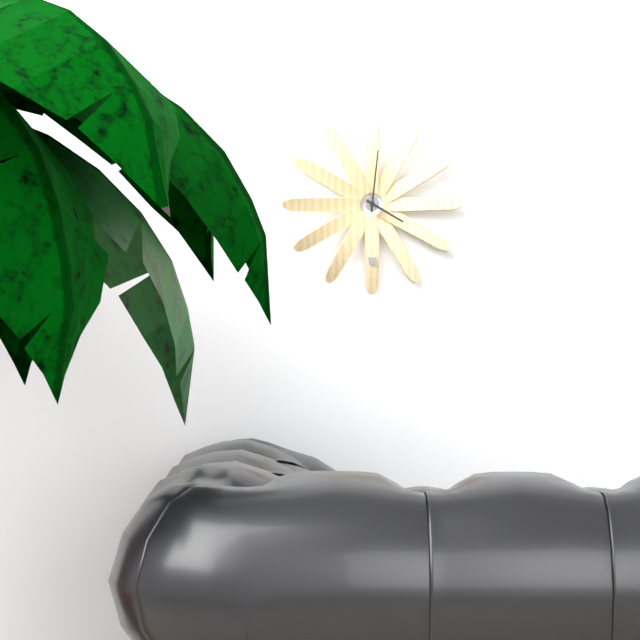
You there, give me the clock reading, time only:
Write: 4:01
